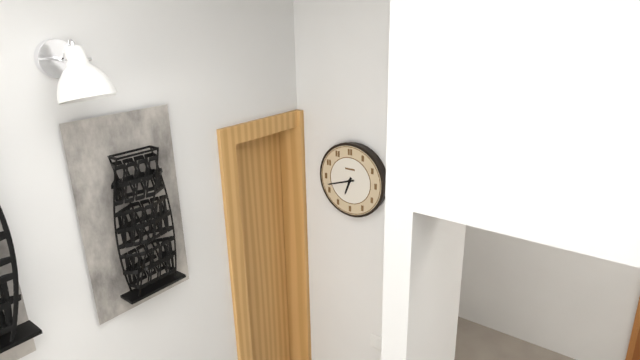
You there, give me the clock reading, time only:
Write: 6:42
